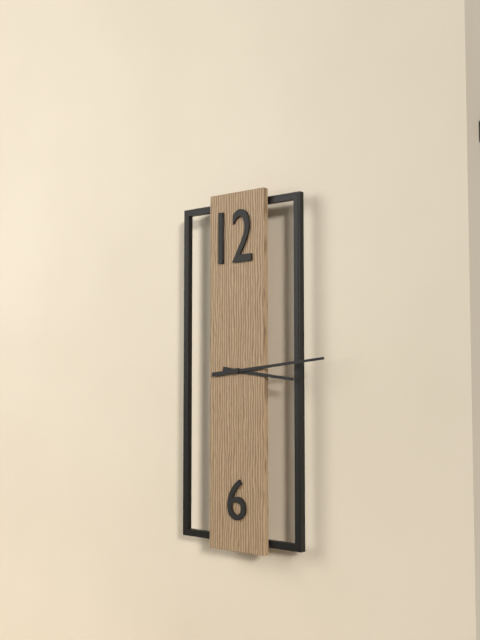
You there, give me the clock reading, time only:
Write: 3:14
